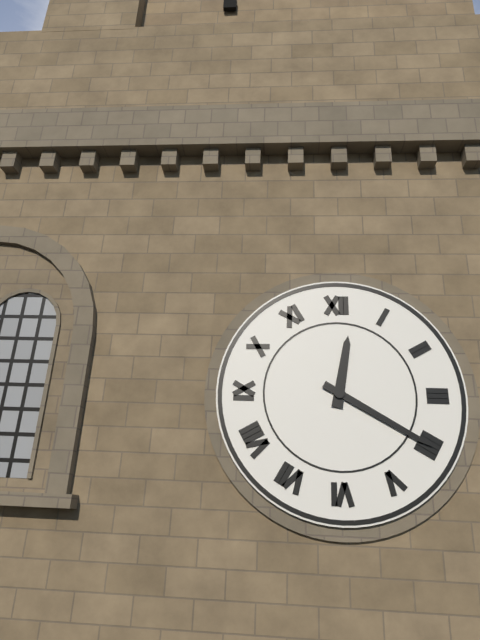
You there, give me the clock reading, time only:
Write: 12:20
